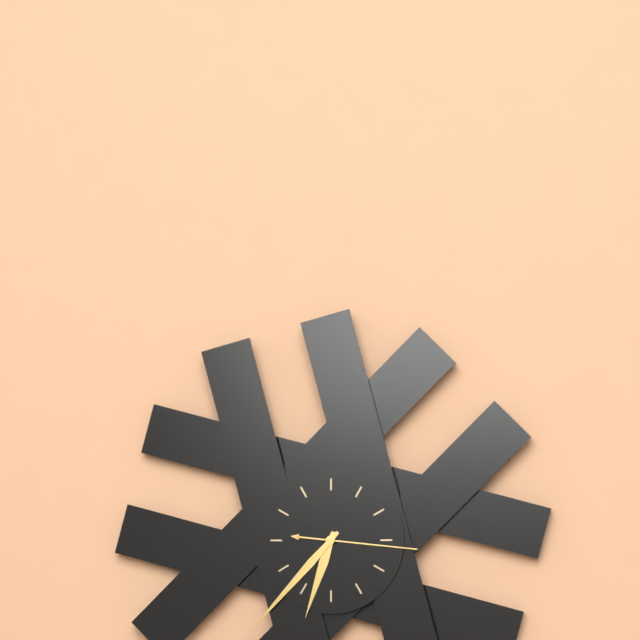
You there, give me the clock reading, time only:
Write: 6:37:16
